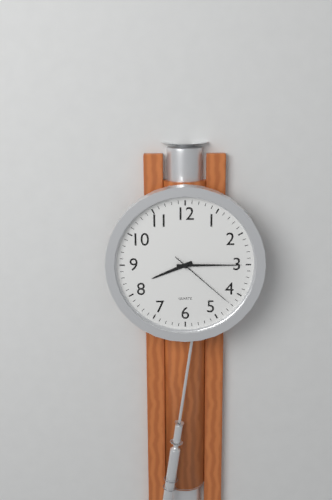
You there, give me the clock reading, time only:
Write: 8:15:22
